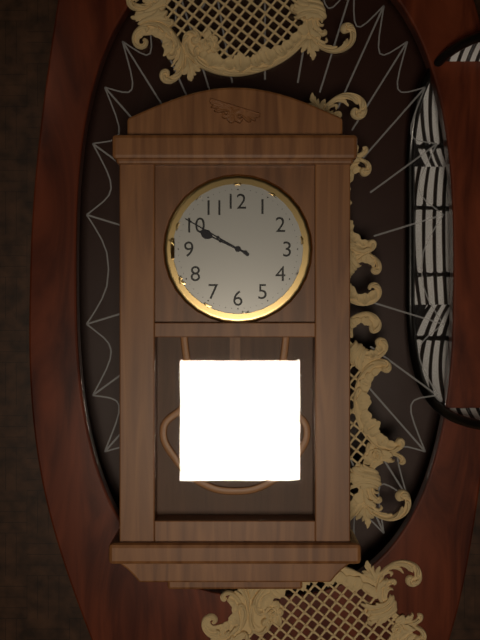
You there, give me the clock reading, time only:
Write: 9:50
